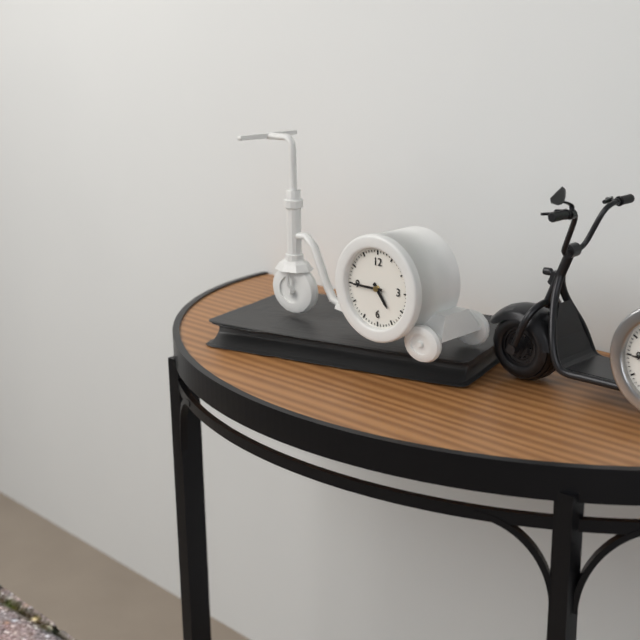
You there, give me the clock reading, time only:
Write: 4:45
